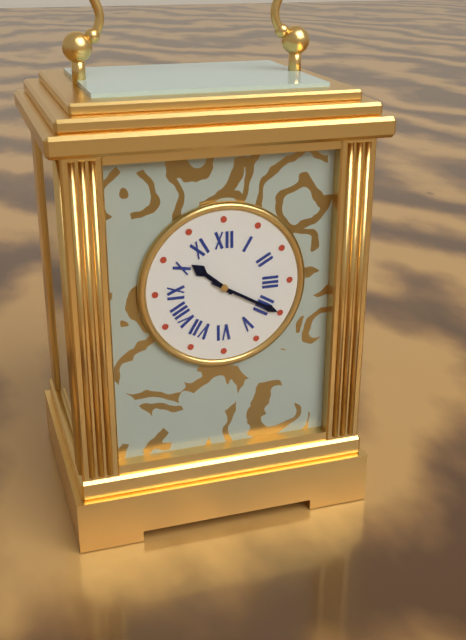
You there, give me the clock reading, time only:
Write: 10:20
